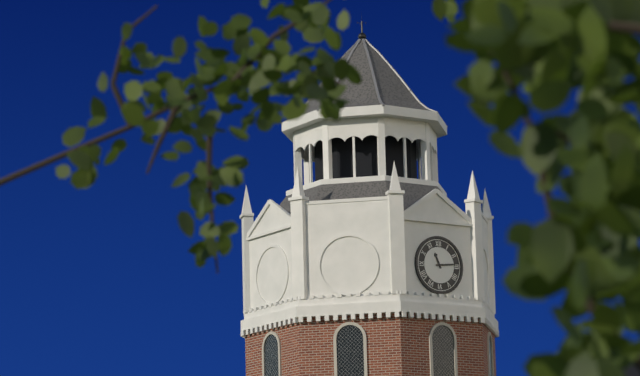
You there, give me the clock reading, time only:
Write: 11:14
